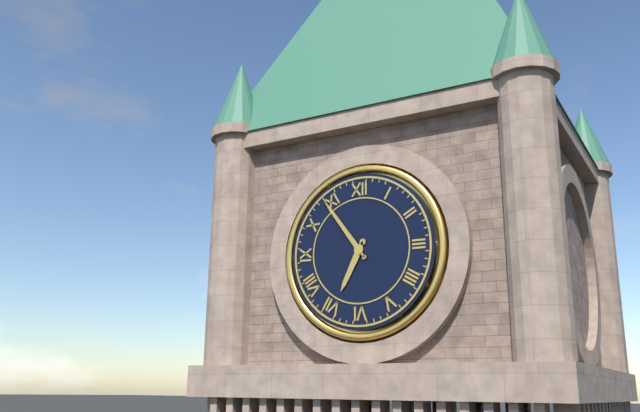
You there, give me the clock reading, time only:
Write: 6:54
